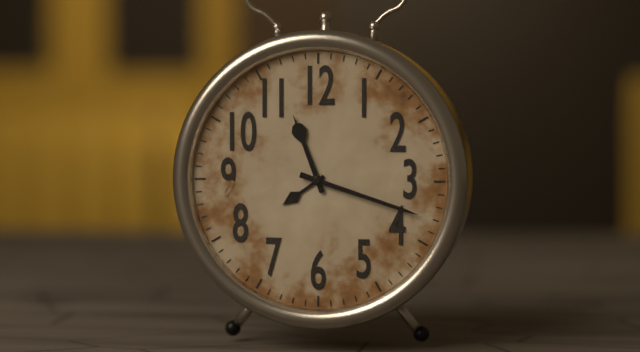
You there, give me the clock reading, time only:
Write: 11:18
